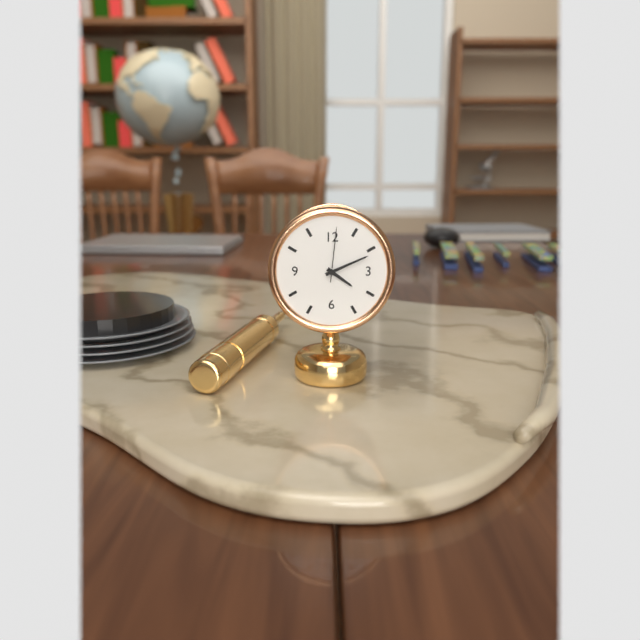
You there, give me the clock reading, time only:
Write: 4:11:01
